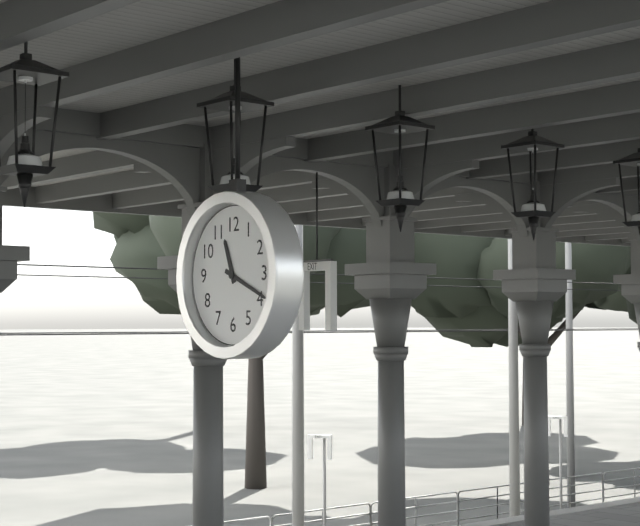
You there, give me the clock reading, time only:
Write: 11:19
